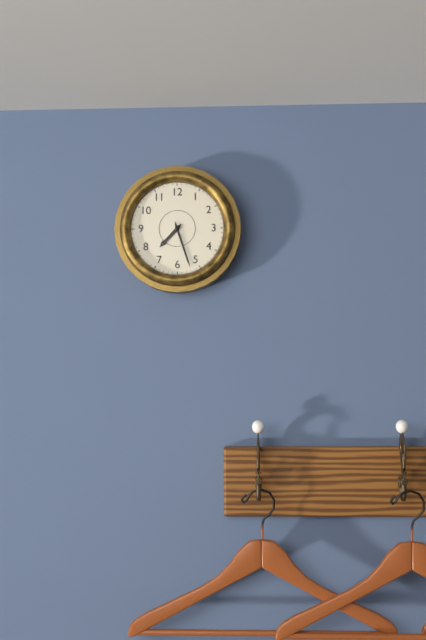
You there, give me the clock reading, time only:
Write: 7:27
